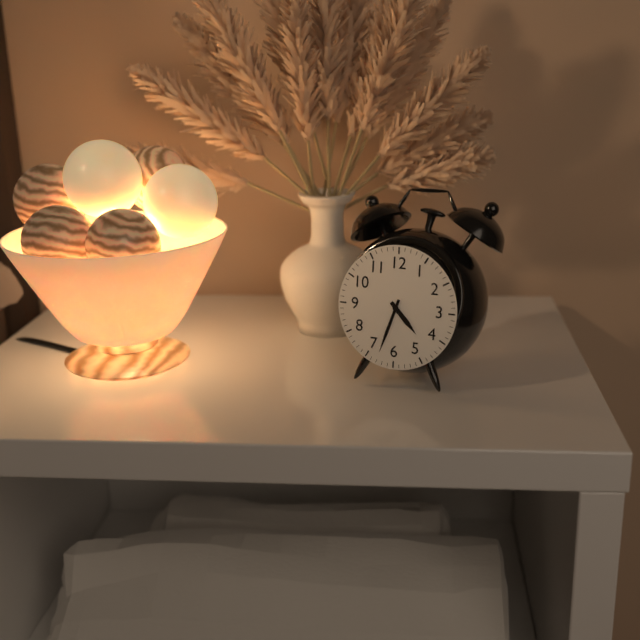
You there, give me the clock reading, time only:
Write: 4:33
